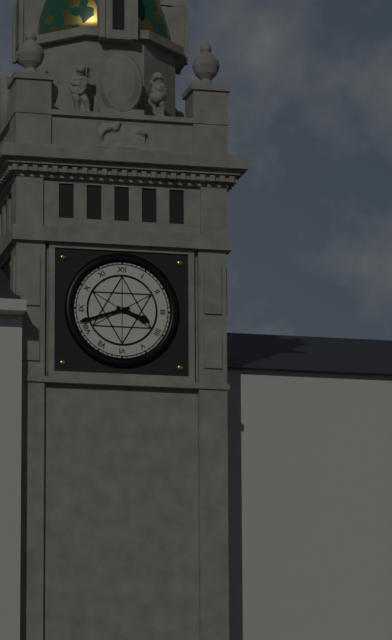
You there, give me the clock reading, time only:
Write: 3:42
